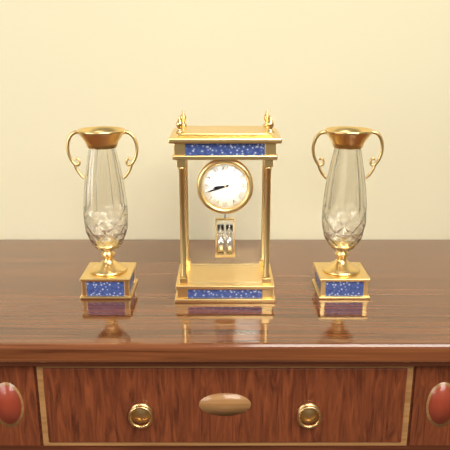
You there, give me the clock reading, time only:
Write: 8:42
